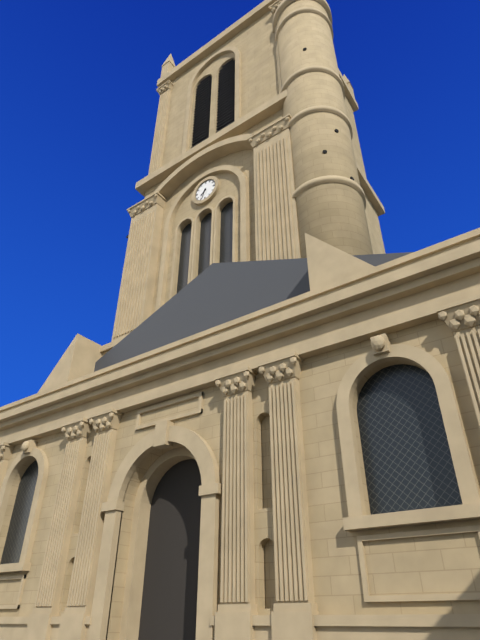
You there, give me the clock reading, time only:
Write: 7:33
